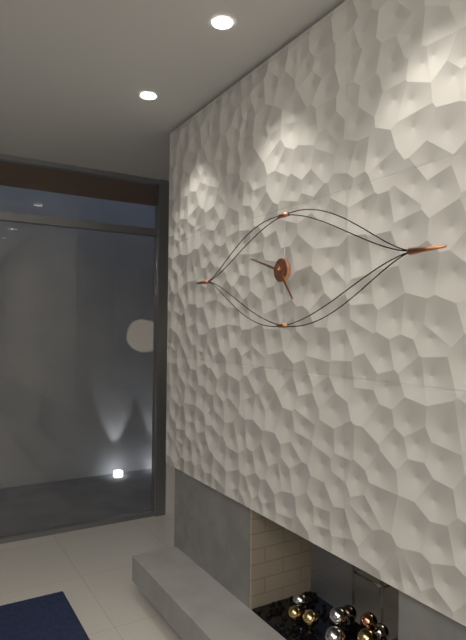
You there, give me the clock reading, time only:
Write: 4:48
